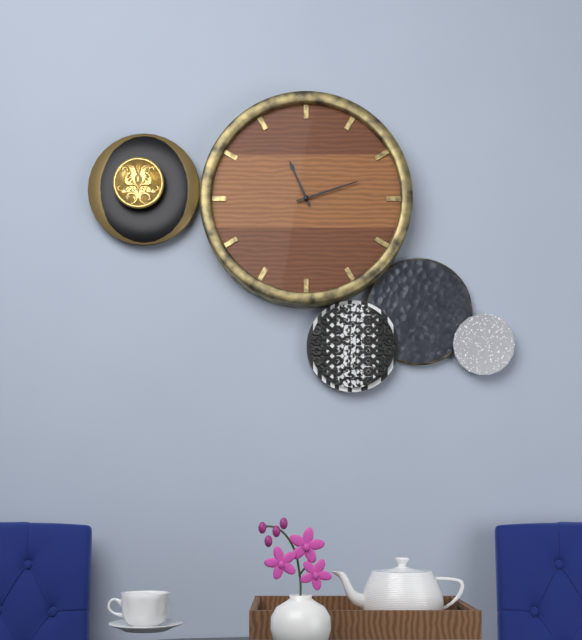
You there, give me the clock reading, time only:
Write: 11:12
